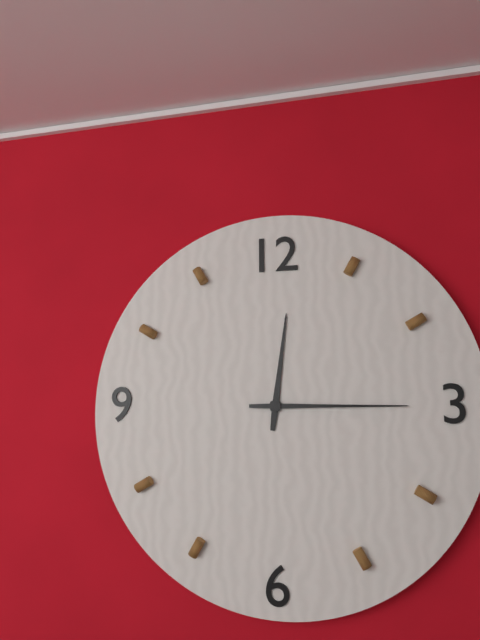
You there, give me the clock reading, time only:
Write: 12:15
